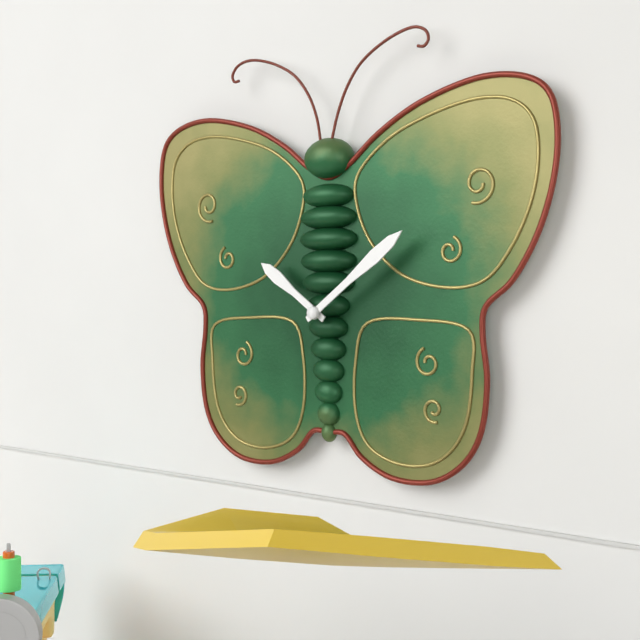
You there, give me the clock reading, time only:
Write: 10:09
